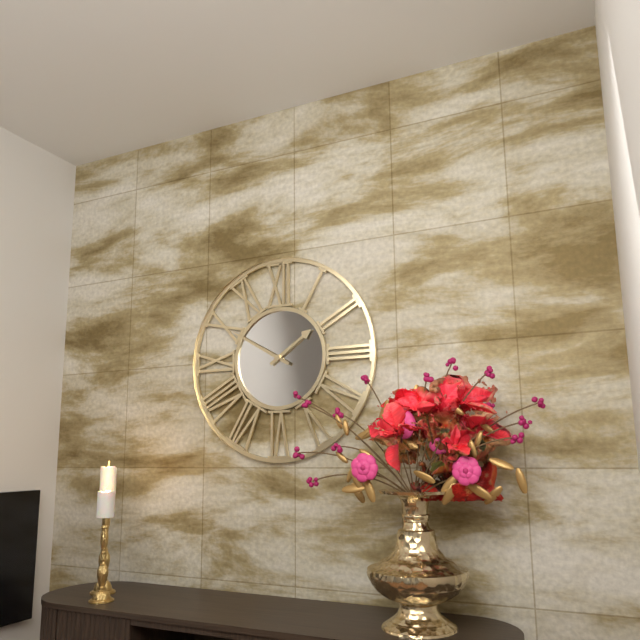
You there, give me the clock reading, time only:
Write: 1:50
